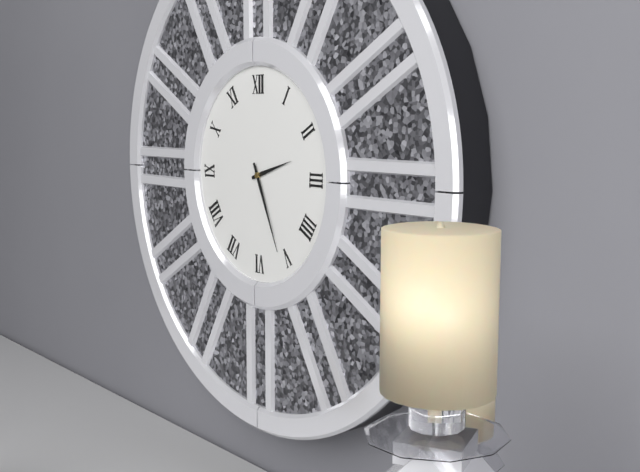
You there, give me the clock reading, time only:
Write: 2:26
